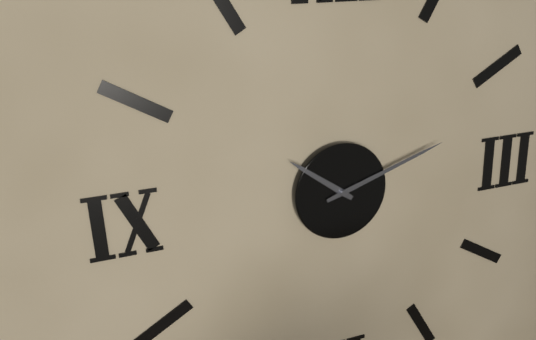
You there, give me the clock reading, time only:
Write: 10:12
